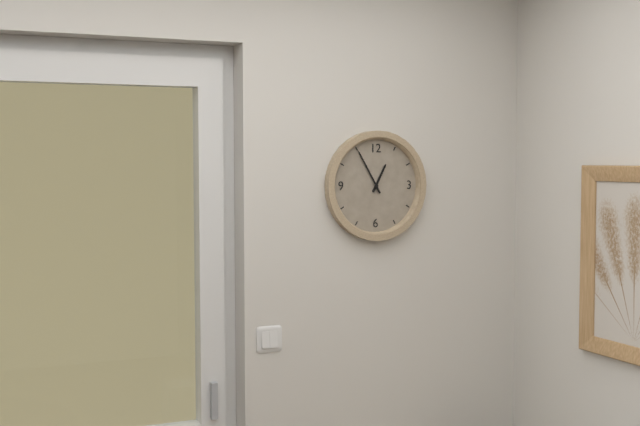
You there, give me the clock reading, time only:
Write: 12:55
